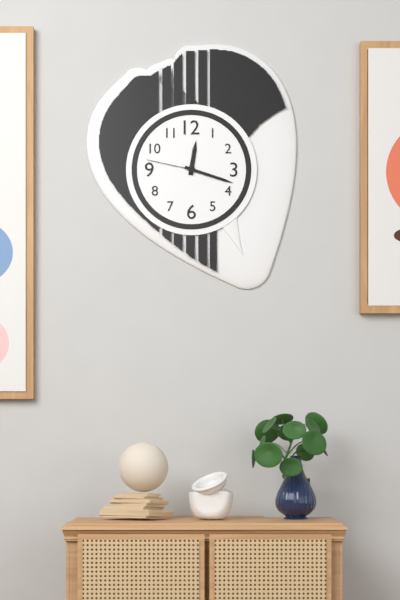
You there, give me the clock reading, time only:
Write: 12:18:47
